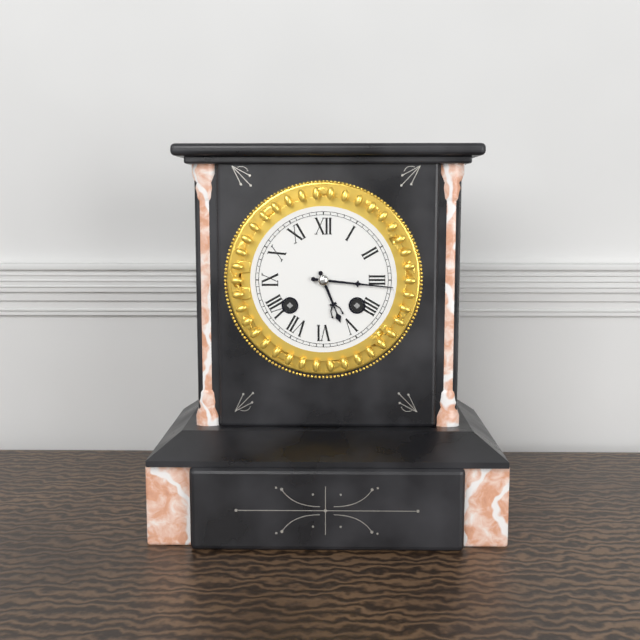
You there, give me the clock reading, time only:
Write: 5:16
